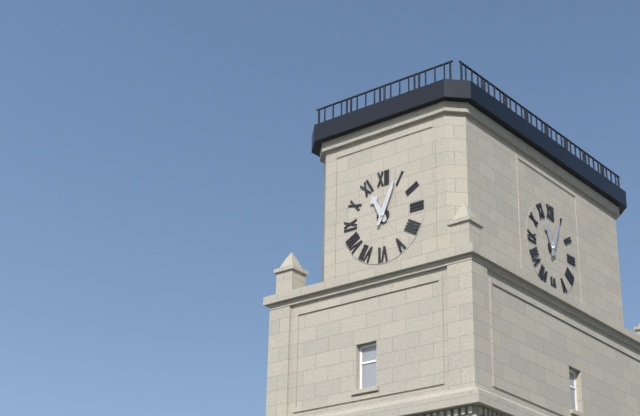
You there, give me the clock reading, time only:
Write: 11:04
